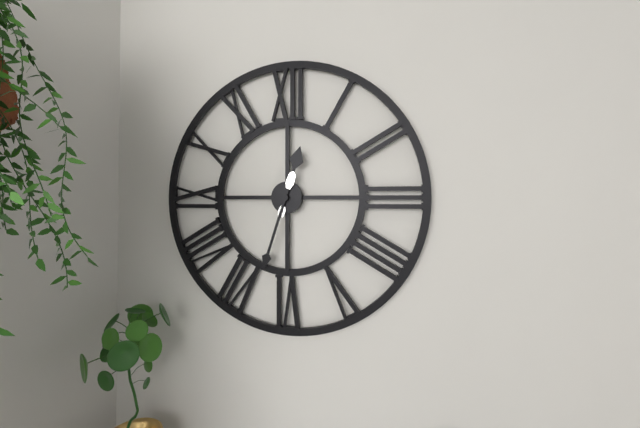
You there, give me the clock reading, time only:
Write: 12:33
